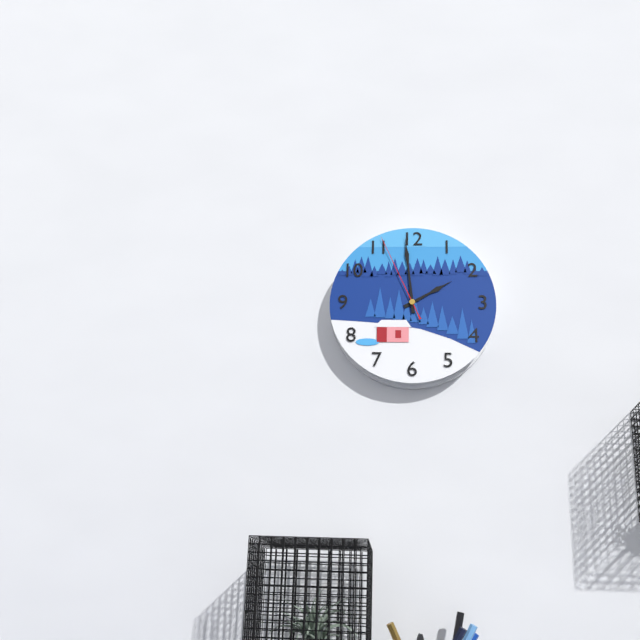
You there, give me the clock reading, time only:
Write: 1:59:56
